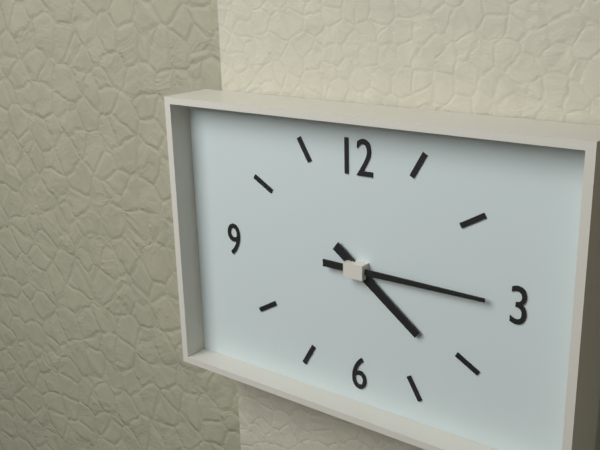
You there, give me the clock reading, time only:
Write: 4:15
